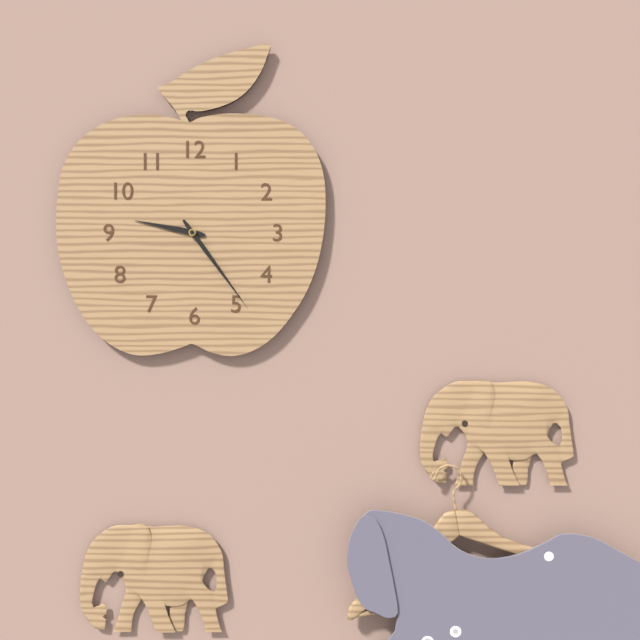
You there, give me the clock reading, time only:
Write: 9:24
